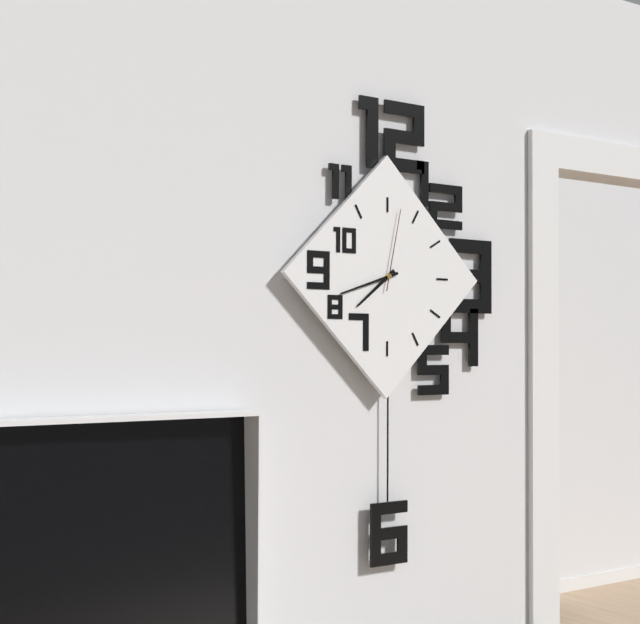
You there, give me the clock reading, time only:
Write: 7:42:02
